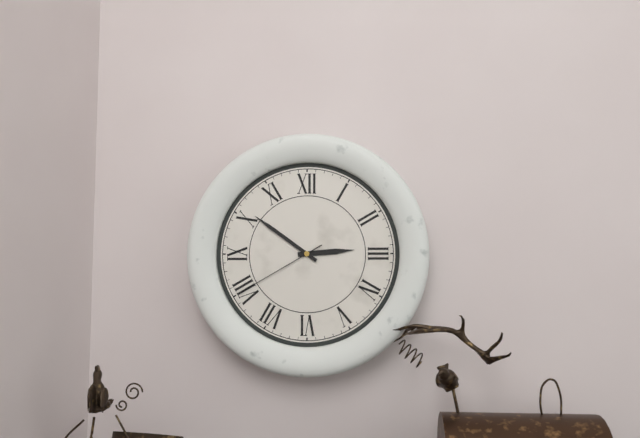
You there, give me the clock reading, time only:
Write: 2:51:40
